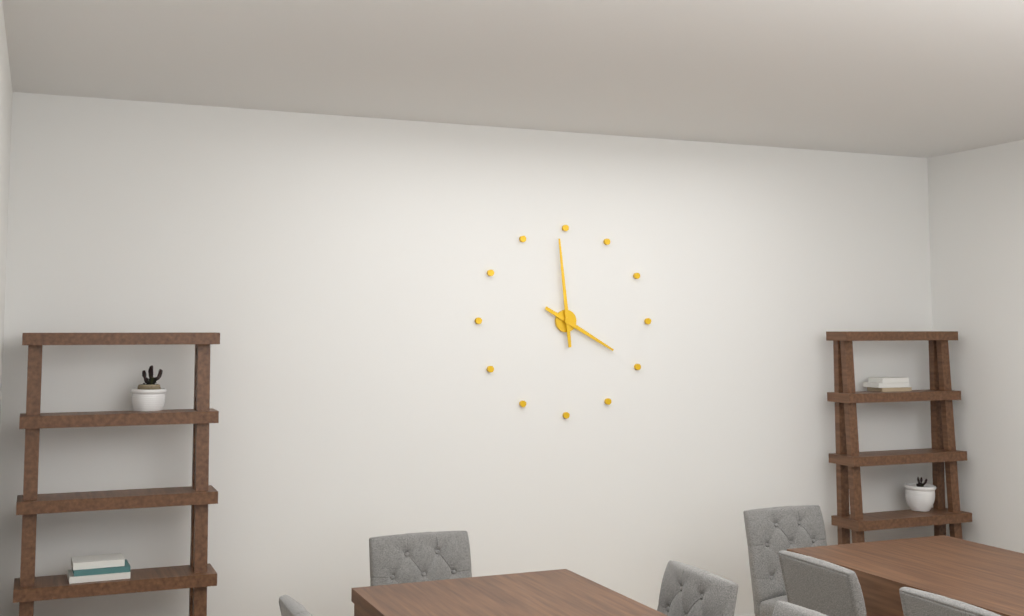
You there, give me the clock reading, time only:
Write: 3:59
